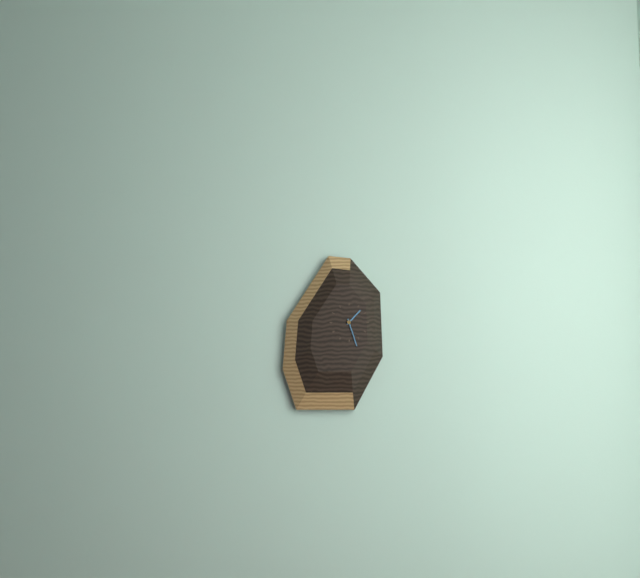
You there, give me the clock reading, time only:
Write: 1:27
